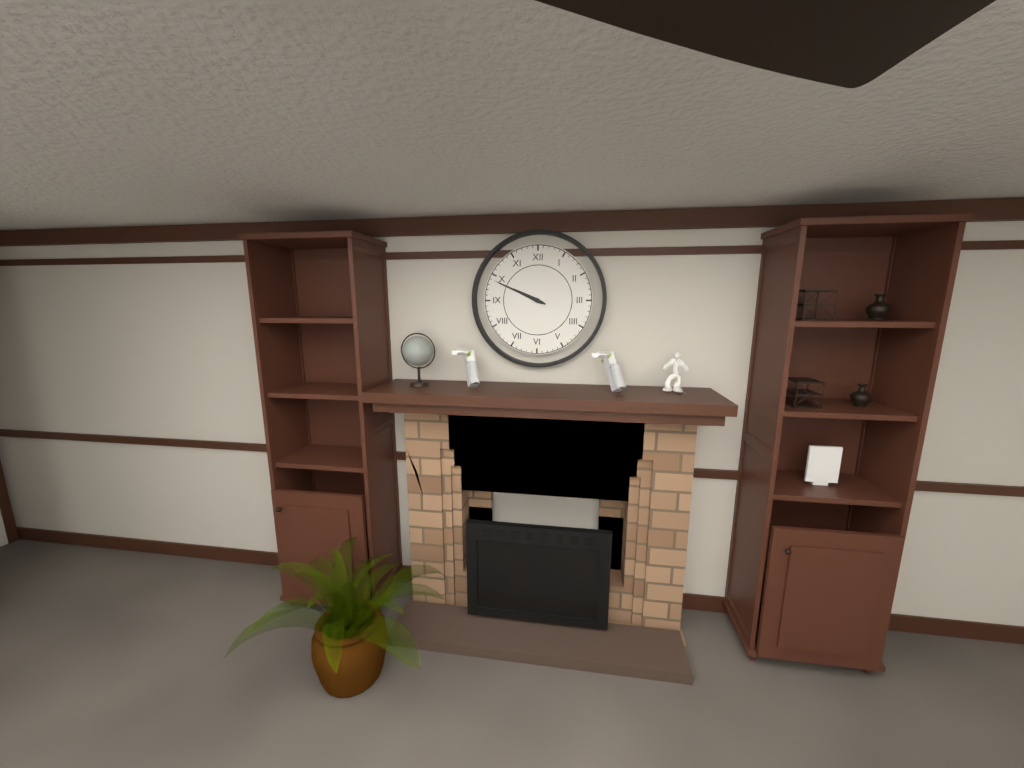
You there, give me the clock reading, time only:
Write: 9:49
